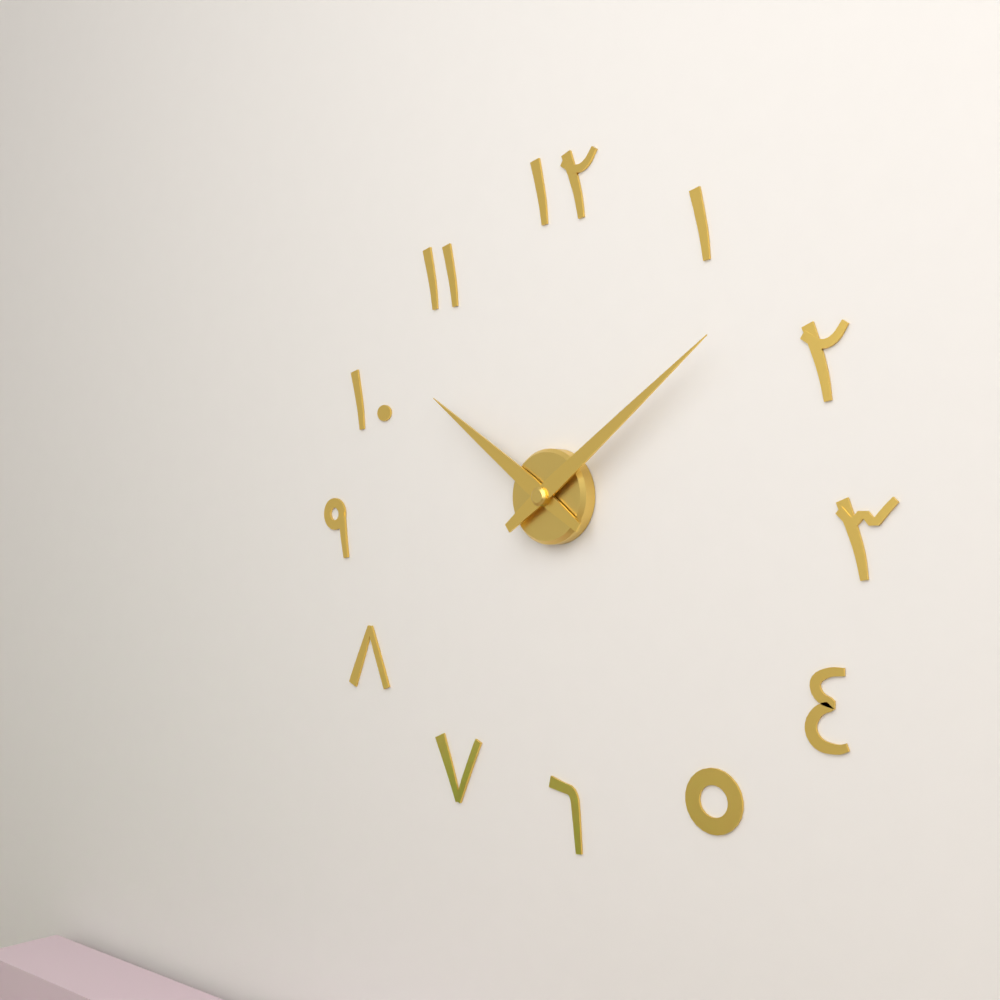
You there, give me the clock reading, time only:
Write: 10:09
